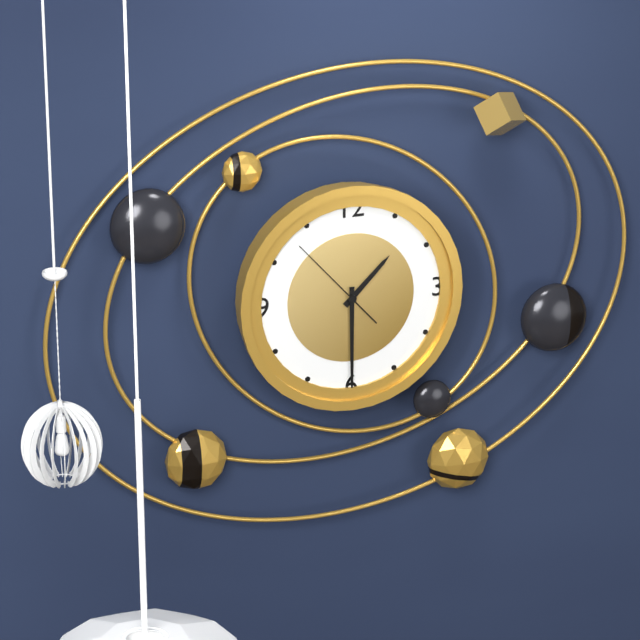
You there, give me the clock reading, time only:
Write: 1:30:53
